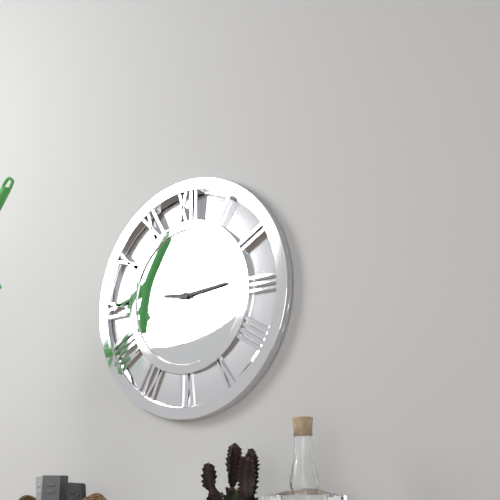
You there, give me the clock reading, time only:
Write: 9:14
